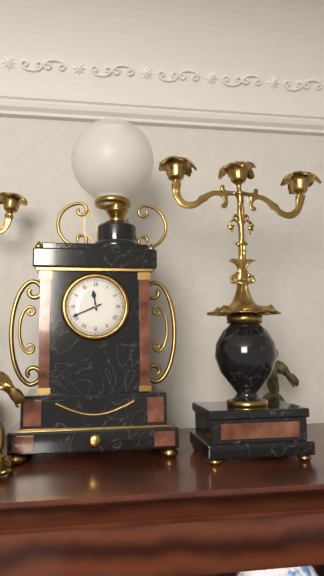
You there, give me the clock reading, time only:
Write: 11:41
